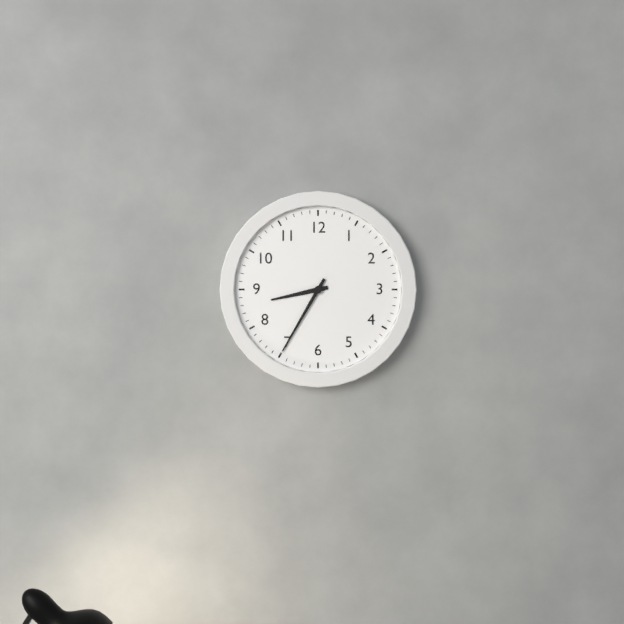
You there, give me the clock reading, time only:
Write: 8:35
